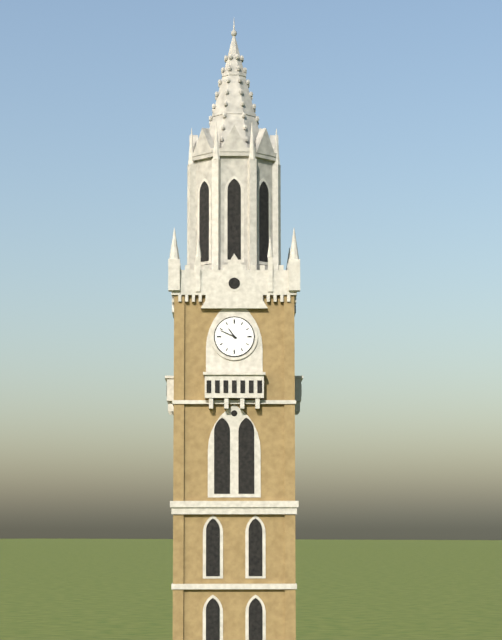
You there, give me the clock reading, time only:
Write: 10:49
